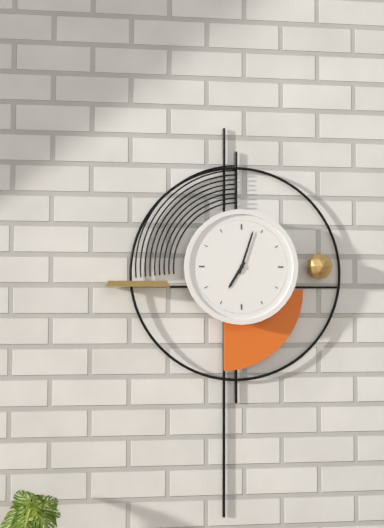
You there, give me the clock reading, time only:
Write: 7:03
